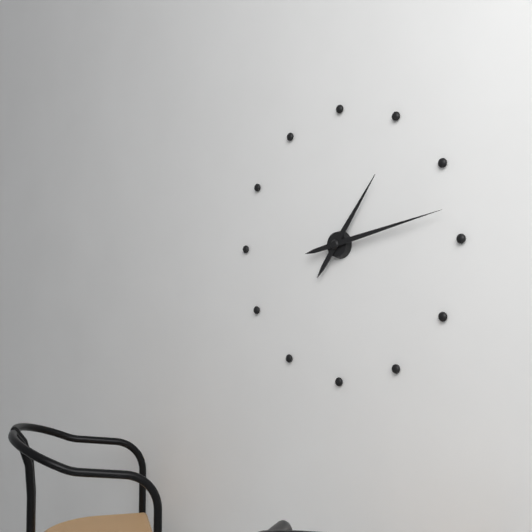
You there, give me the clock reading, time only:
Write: 1:13
